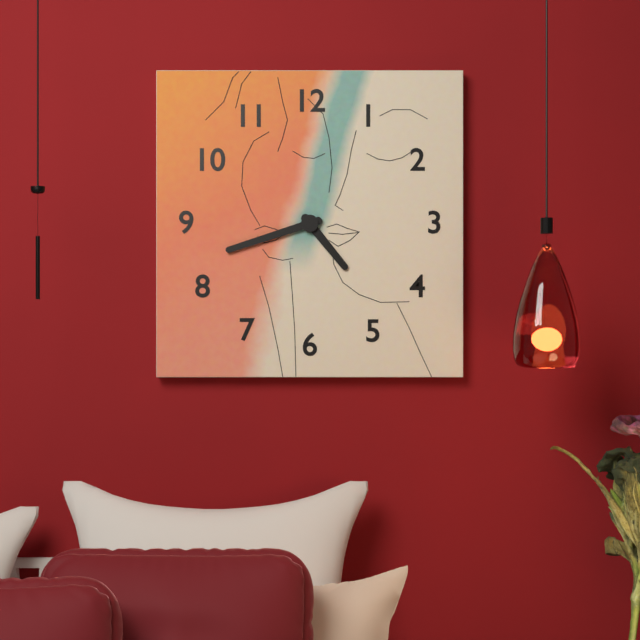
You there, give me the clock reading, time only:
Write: 4:42
